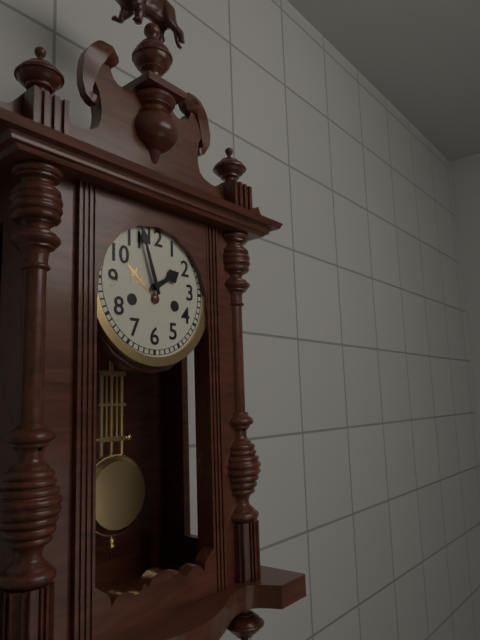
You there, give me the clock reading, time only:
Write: 1:57
